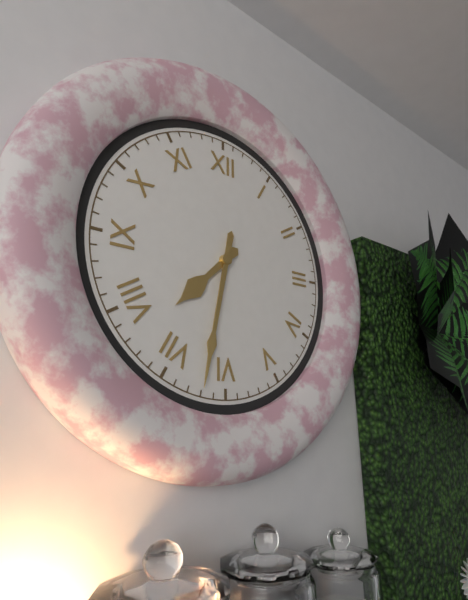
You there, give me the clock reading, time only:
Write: 7:32
